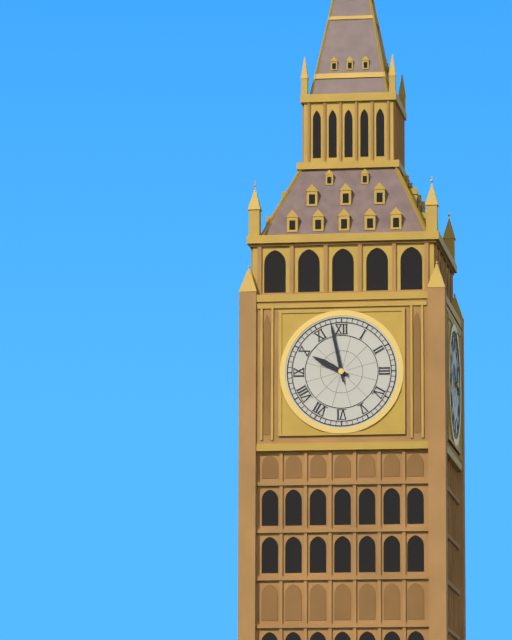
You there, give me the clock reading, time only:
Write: 9:58
